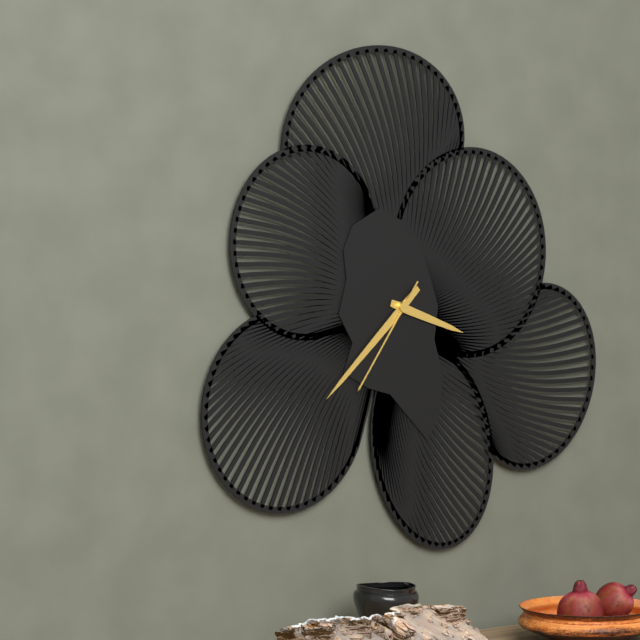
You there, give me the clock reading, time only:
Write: 3:38:36
